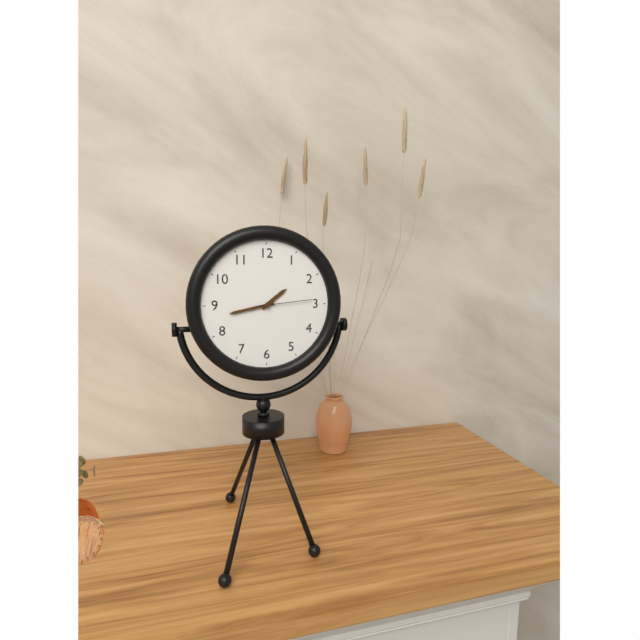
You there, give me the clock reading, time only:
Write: 1:43:14
